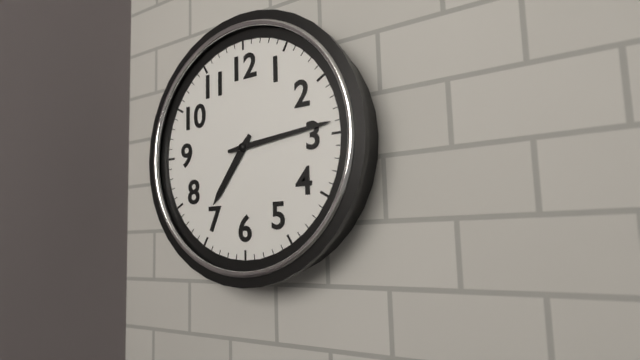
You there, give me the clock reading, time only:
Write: 7:14
